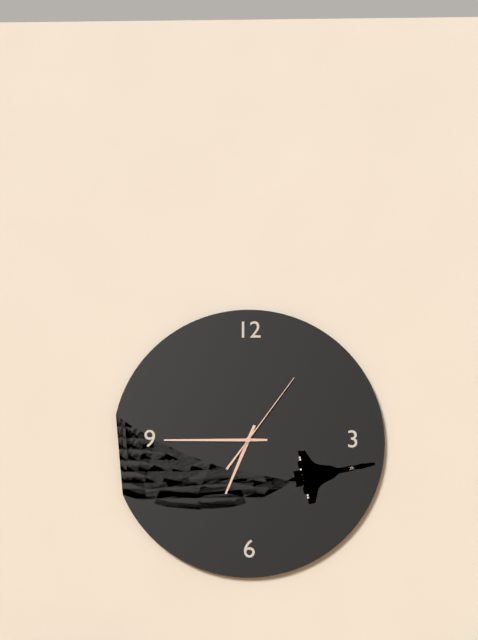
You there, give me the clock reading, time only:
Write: 6:45:06
